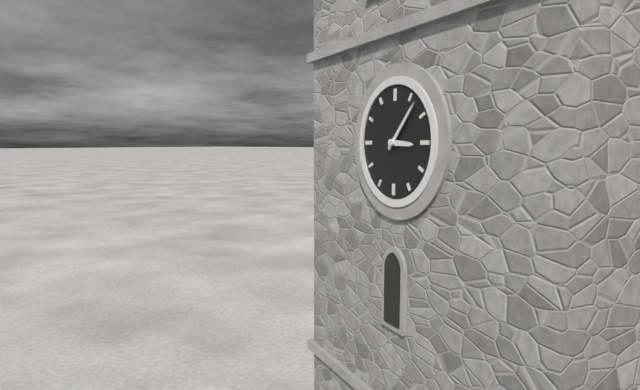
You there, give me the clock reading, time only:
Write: 3:07
